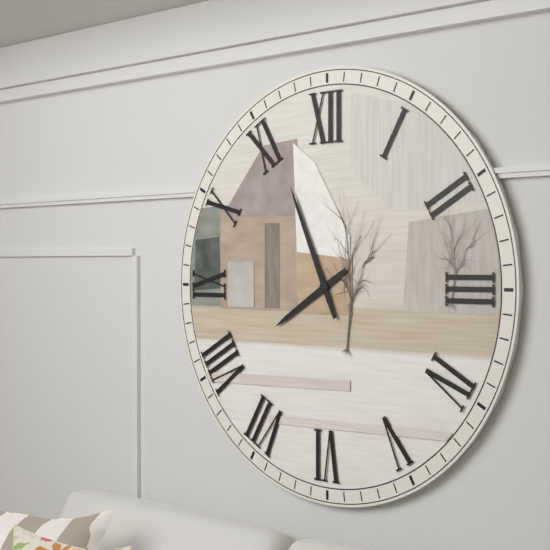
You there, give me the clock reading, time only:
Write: 7:56
